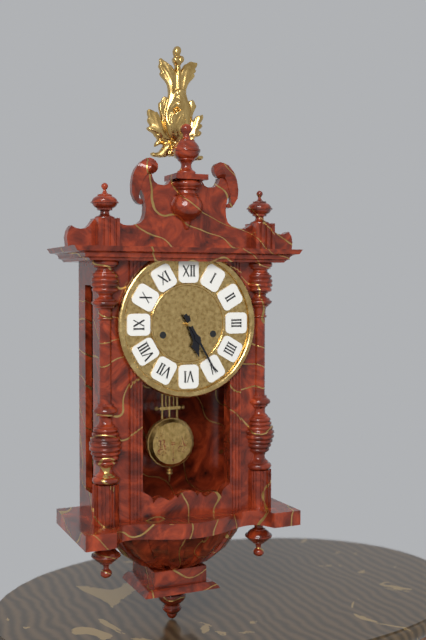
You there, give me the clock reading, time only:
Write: 5:25
